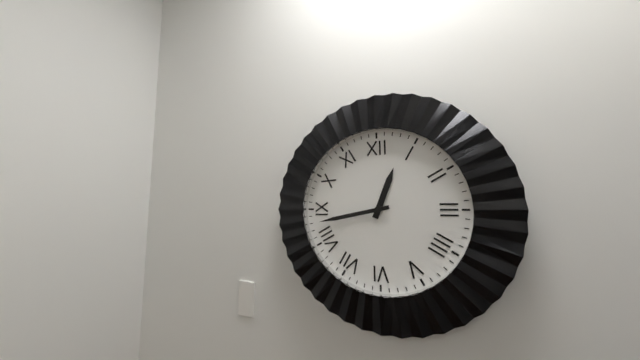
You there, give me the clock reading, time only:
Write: 12:43
